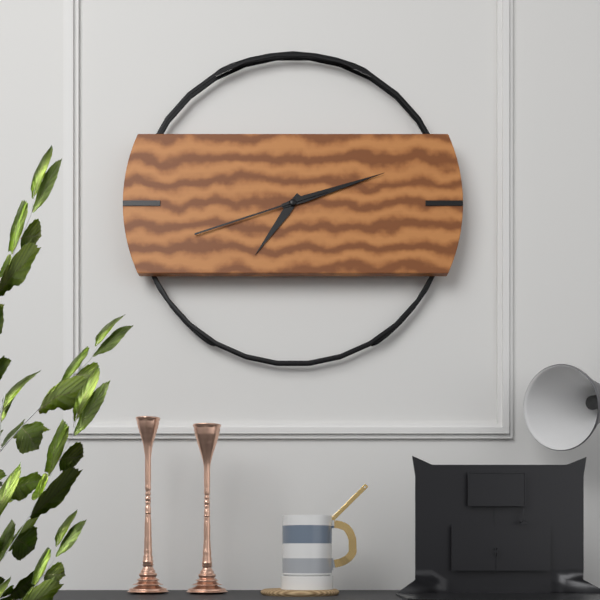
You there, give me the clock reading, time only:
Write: 7:12:42
